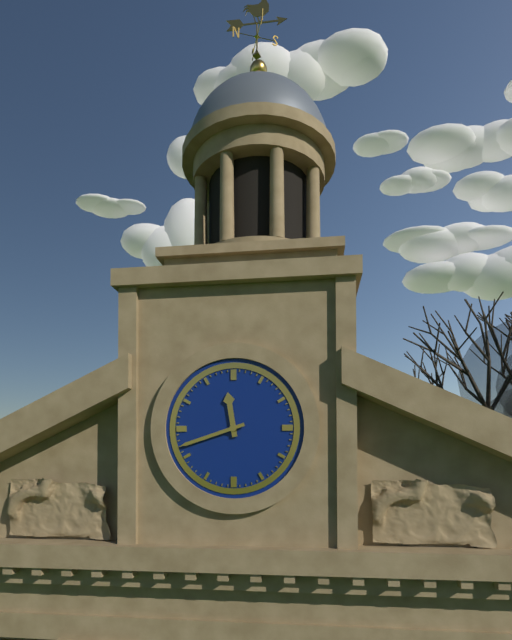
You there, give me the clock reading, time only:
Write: 11:42
